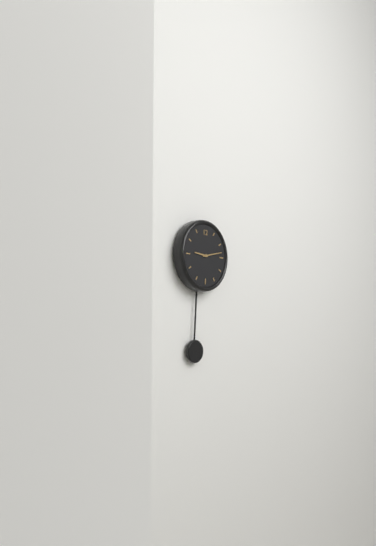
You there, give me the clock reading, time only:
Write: 9:13
